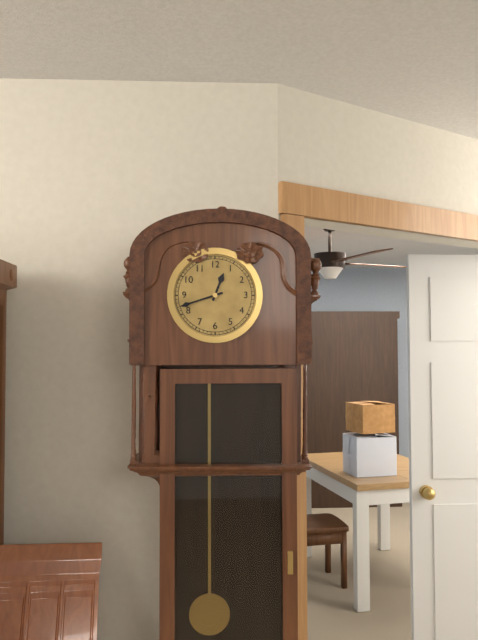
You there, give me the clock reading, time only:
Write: 12:42
